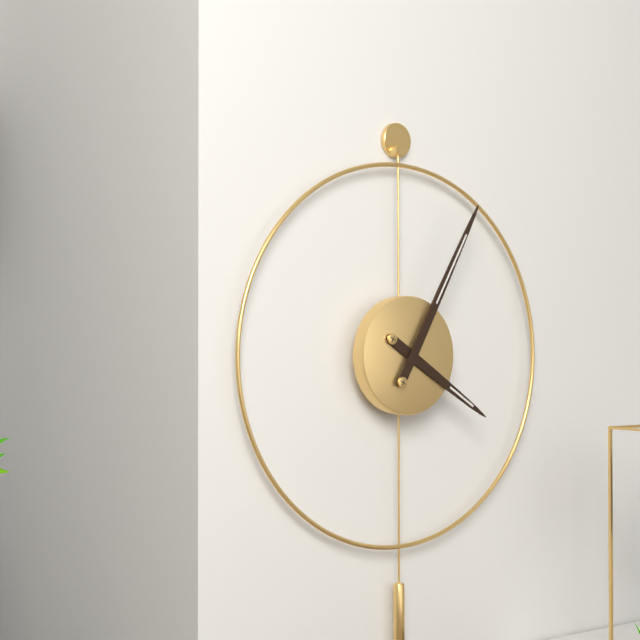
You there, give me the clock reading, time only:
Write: 4:05
